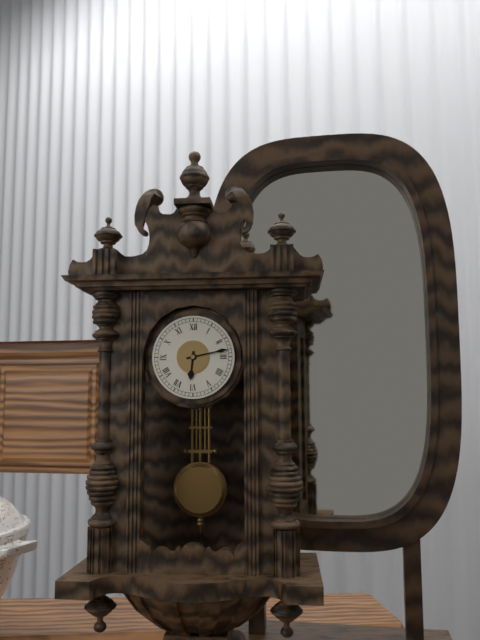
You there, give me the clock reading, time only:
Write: 6:13
